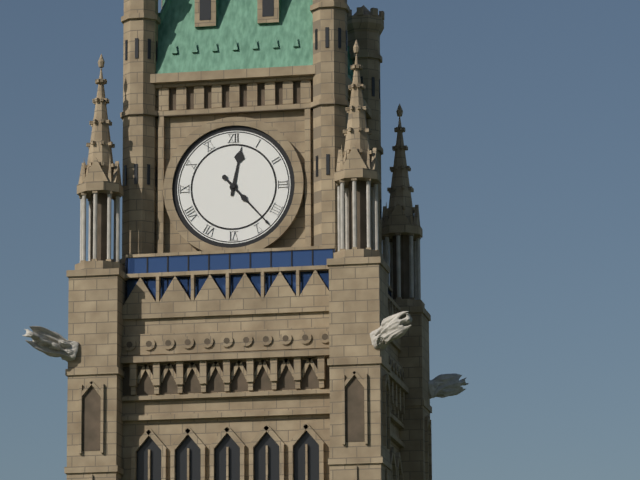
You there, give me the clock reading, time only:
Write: 12:23
